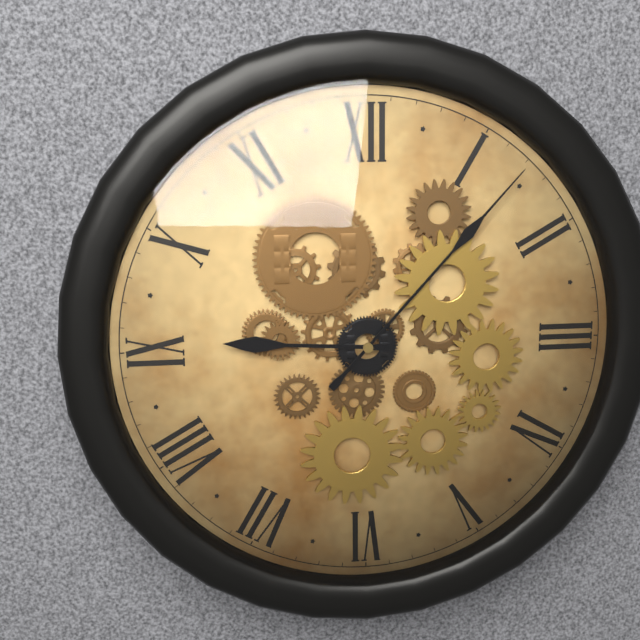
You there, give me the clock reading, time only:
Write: 9:07
